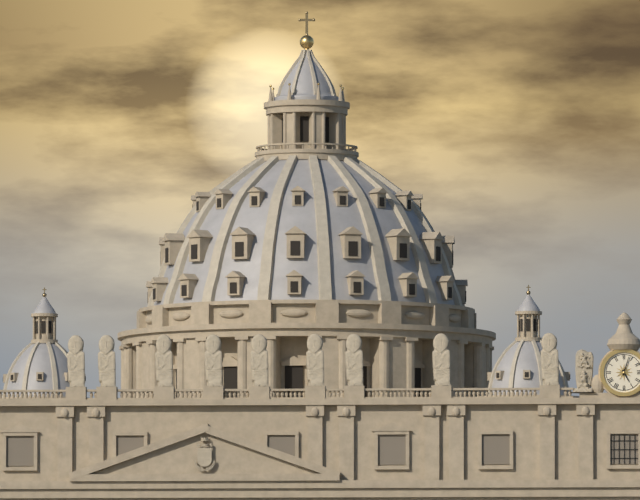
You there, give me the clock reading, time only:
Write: 5:03
